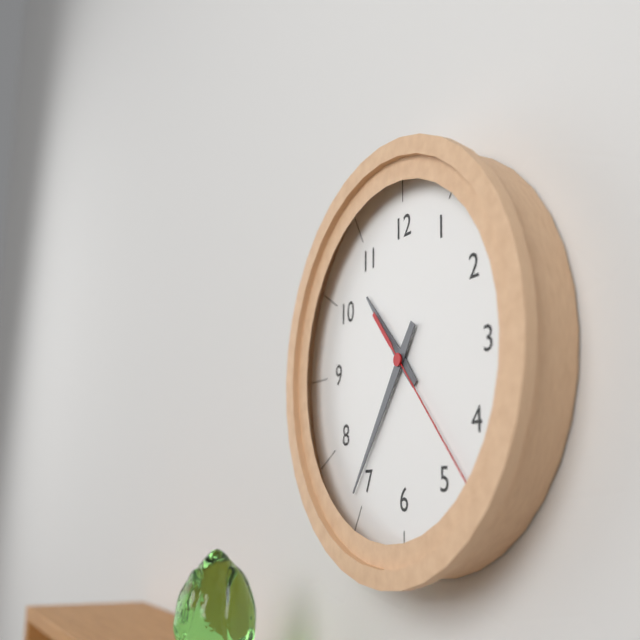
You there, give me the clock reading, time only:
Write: 10:36:23
